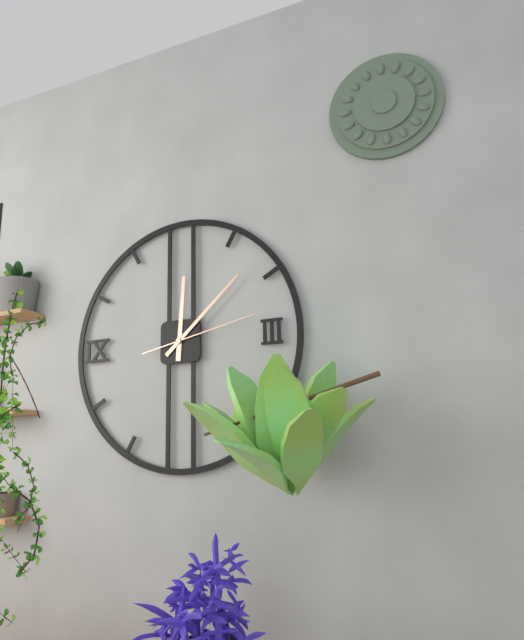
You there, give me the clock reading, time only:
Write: 12:08:13
